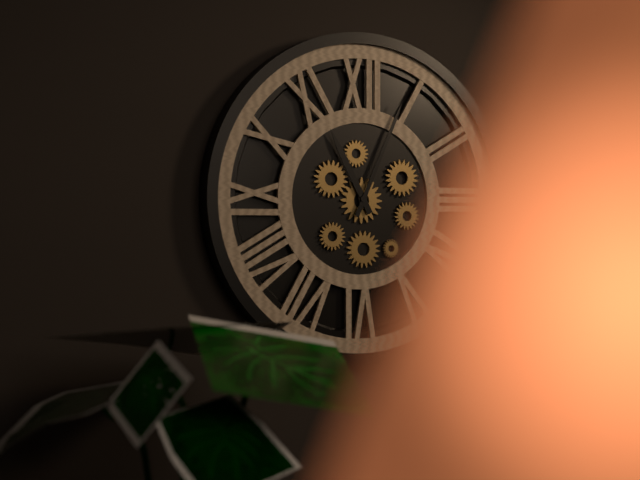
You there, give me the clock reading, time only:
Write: 11:04
